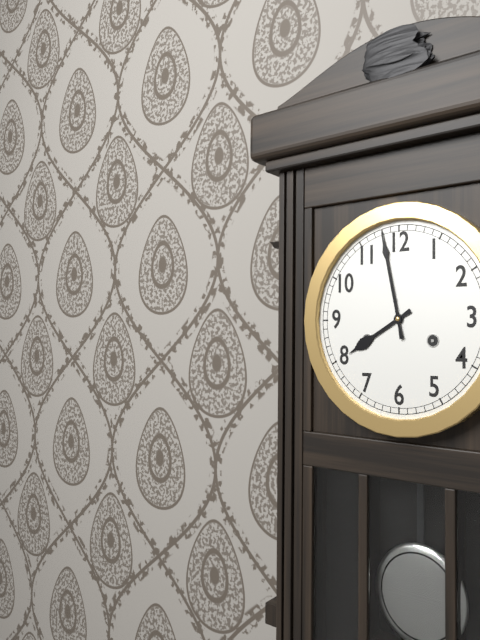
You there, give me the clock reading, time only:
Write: 7:58
